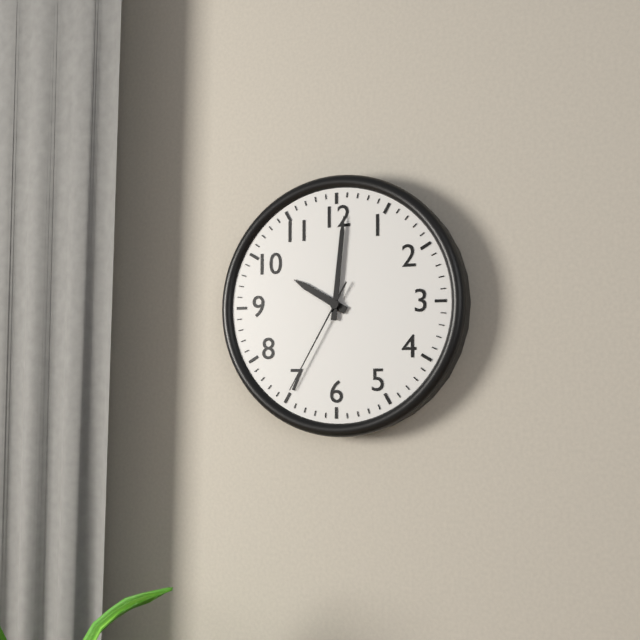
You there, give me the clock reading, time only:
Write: 10:01:35
